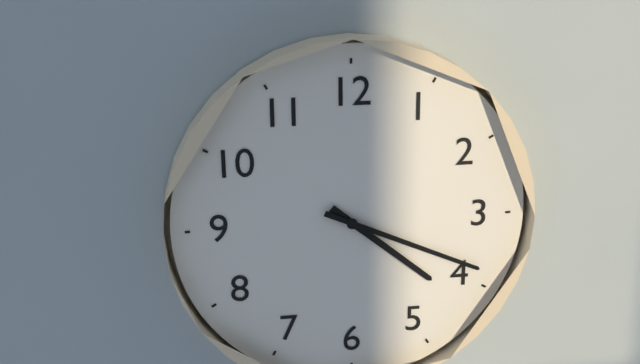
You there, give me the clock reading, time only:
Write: 4:19
